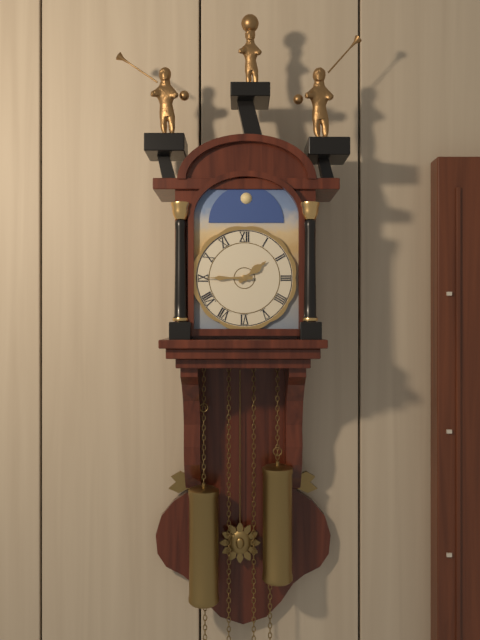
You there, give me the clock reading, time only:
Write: 1:45
